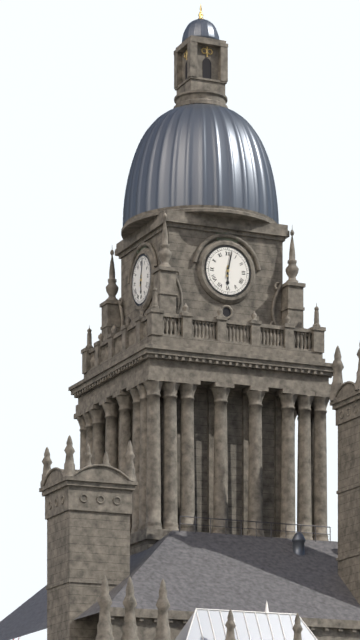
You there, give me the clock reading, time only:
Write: 6:02
